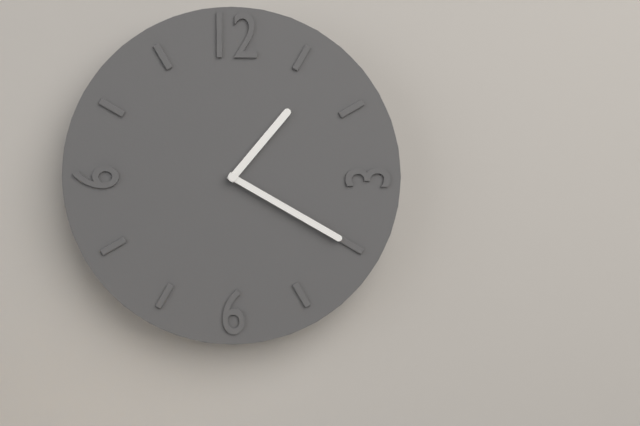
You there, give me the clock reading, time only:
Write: 1:20
